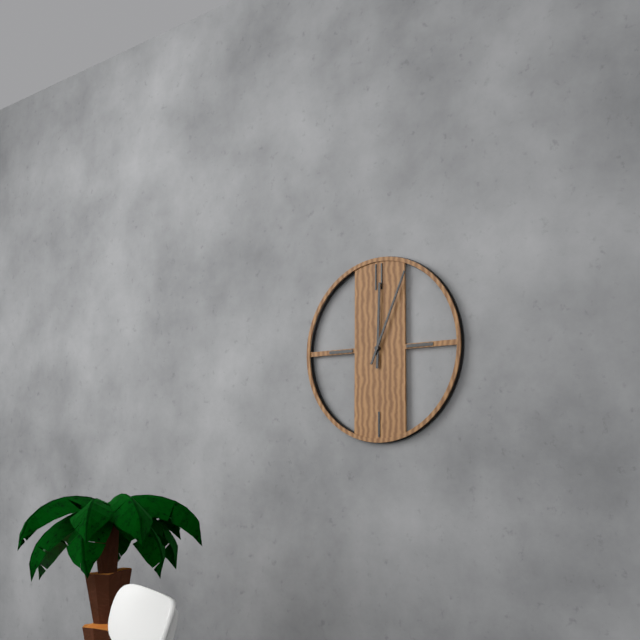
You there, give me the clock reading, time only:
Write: 12:04
